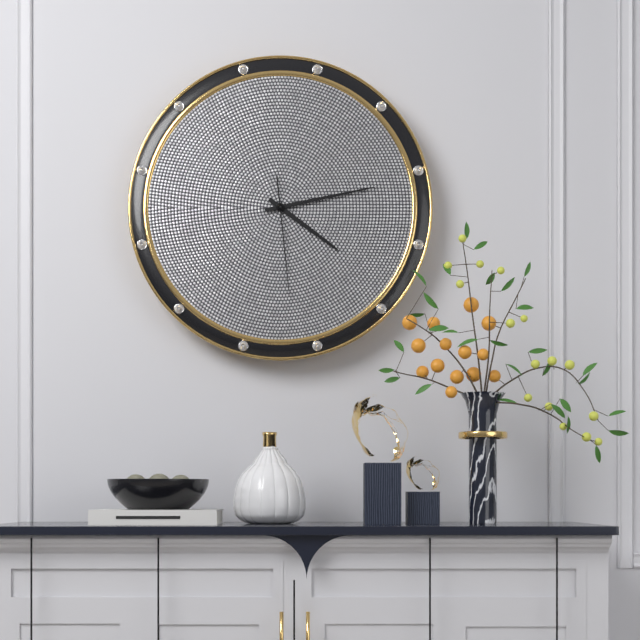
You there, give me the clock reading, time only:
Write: 4:13:29
